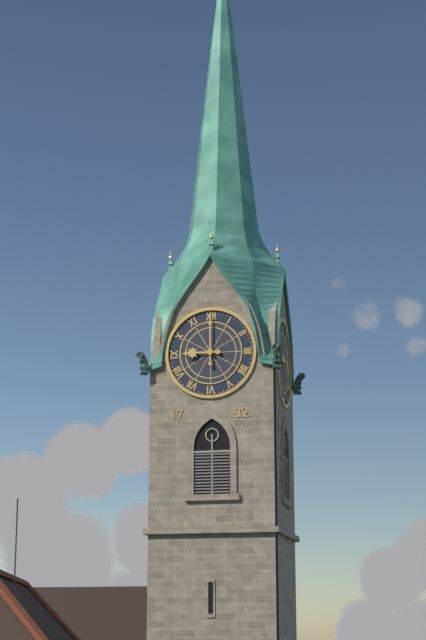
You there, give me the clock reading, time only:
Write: 9:00
